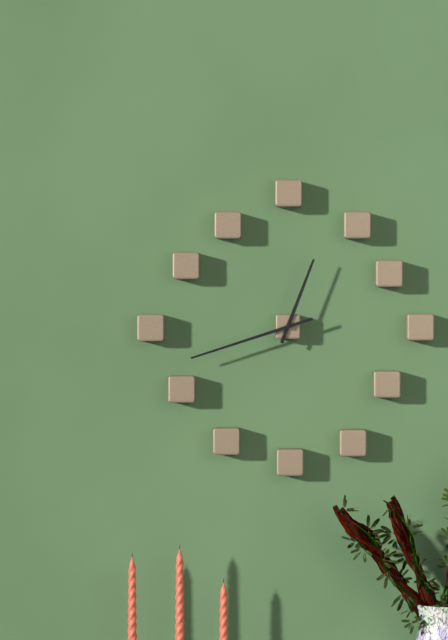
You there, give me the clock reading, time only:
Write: 12:42
